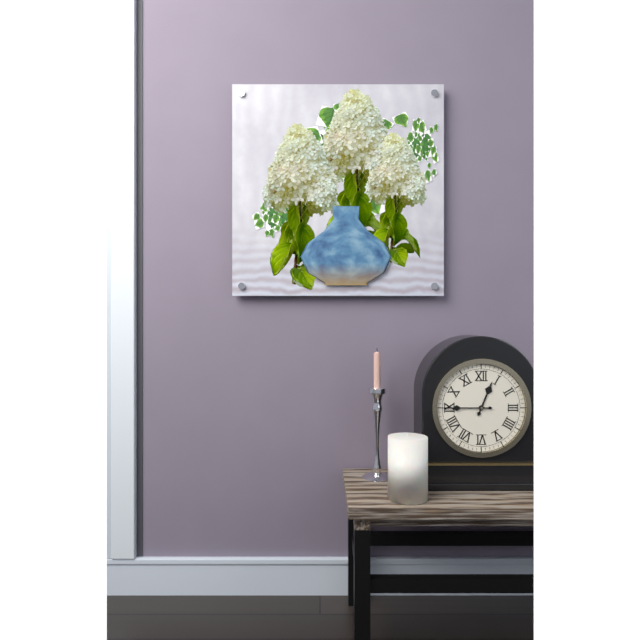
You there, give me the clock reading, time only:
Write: 12:45
